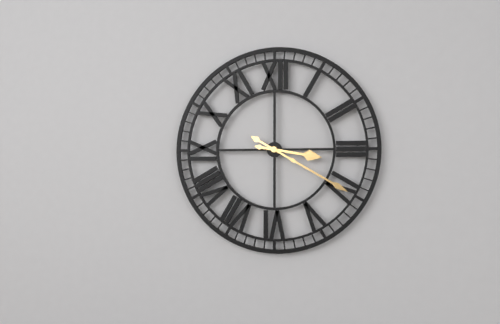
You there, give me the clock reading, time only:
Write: 3:20
